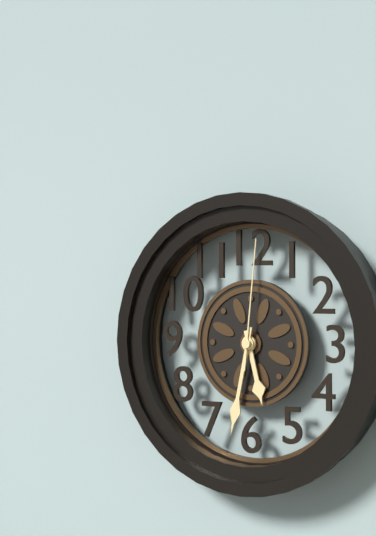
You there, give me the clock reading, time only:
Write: 5:32:01
